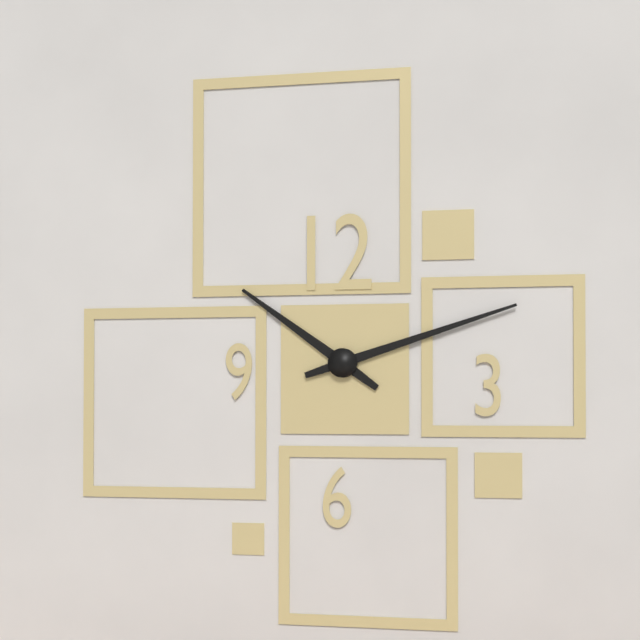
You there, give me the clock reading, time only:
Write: 10:12
